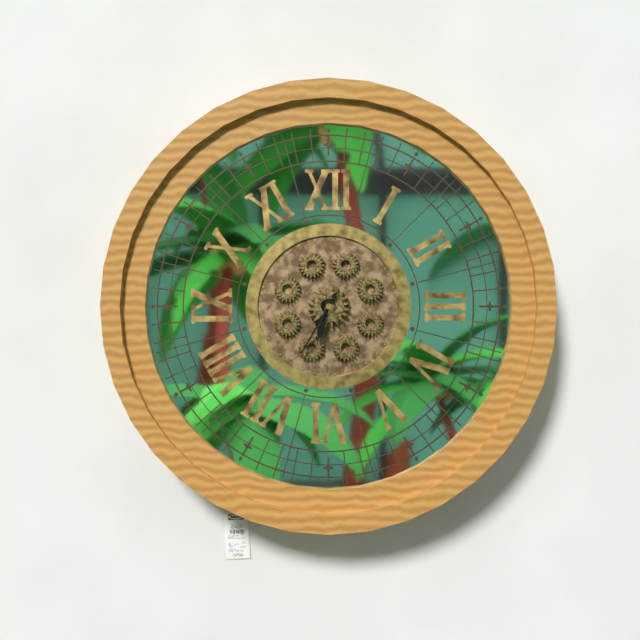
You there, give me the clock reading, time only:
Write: 6:35
